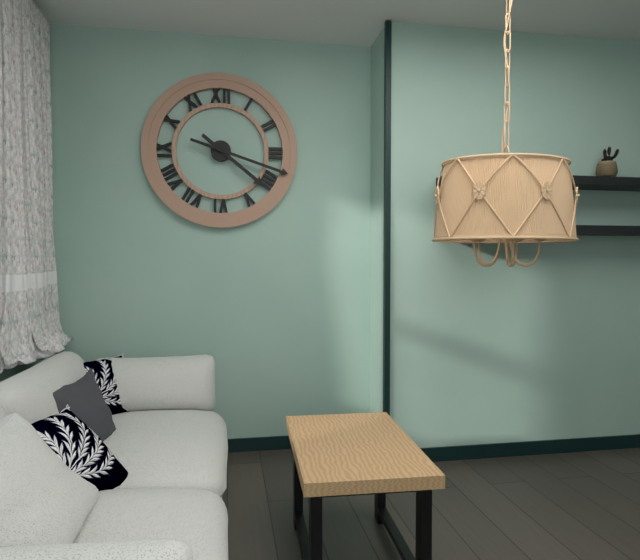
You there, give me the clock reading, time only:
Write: 4:18
